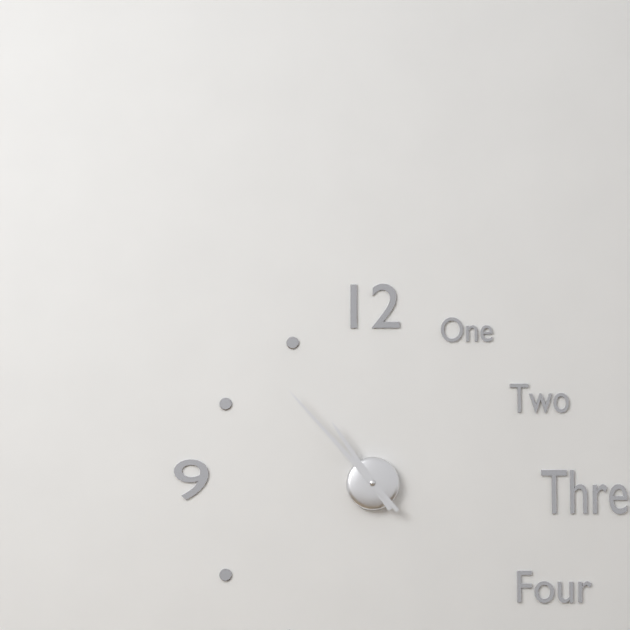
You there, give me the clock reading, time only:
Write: 10:53
